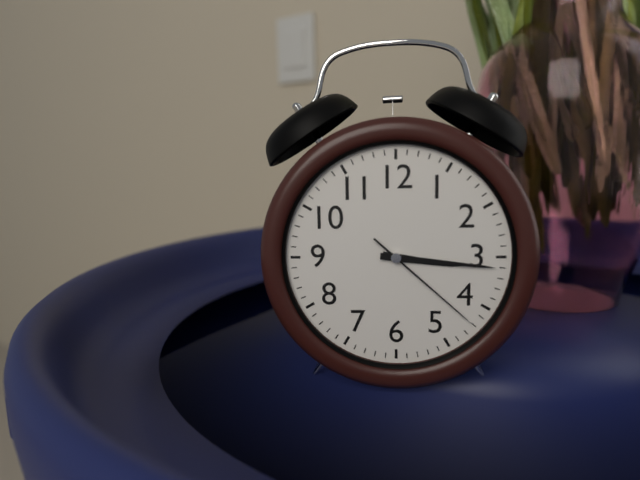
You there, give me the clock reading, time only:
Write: 3:16:22
